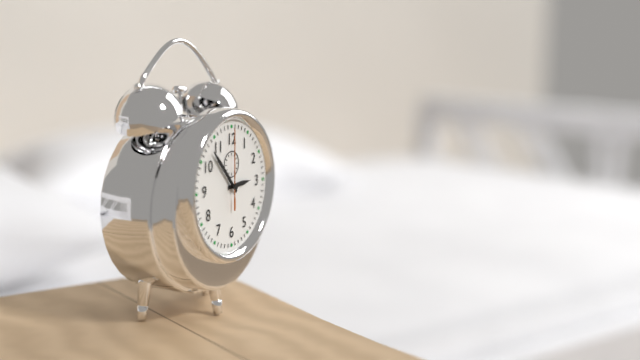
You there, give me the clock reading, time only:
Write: 2:53:00
